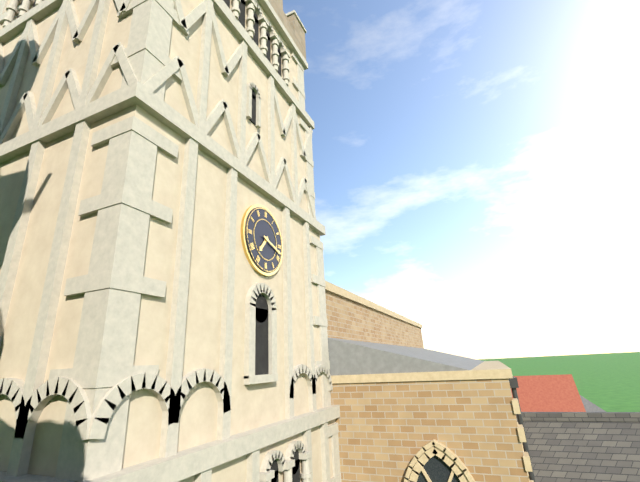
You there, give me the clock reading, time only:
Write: 7:18
